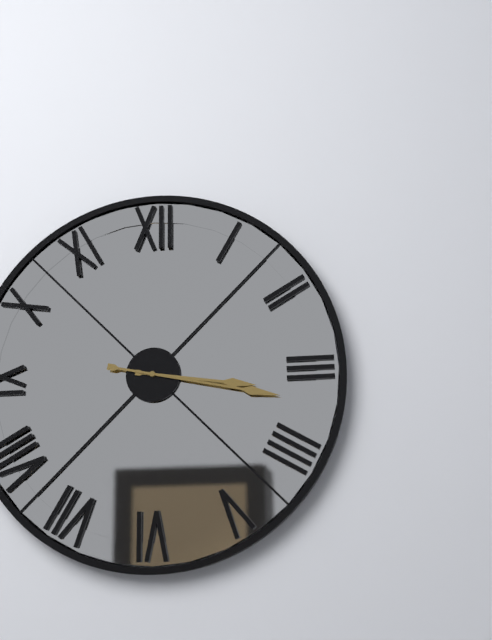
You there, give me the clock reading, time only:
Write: 3:17
